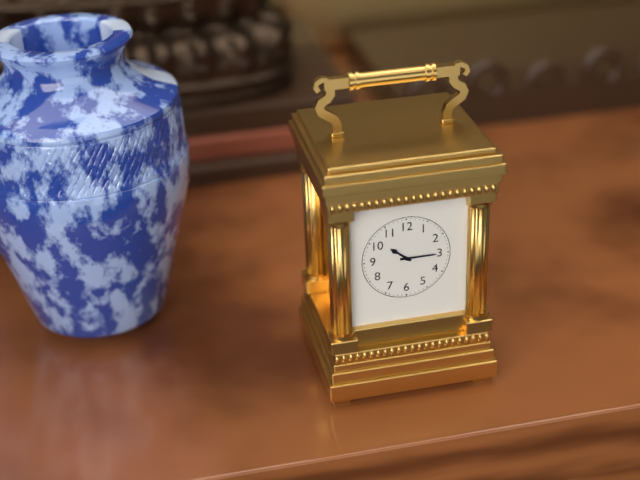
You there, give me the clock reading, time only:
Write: 10:15
